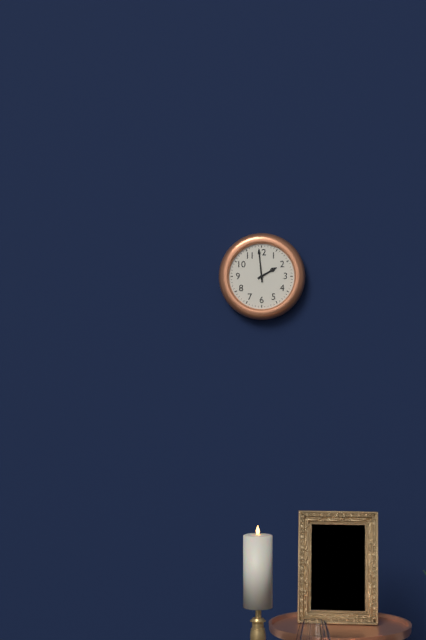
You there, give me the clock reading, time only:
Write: 1:59
